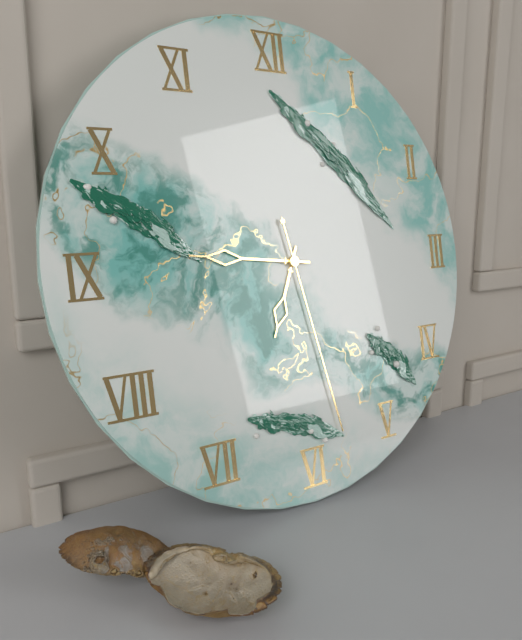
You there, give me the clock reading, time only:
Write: 6:46:28
